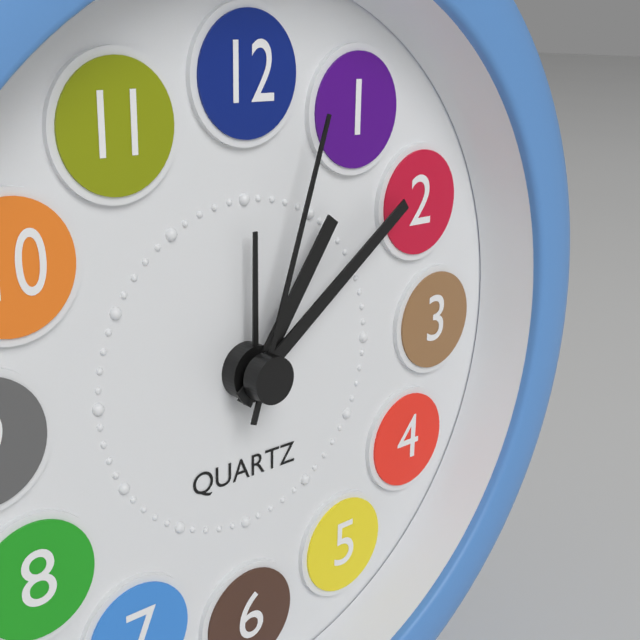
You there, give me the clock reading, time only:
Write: 1:09:03
